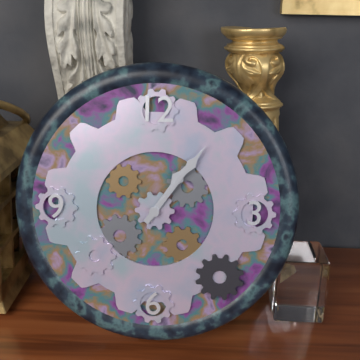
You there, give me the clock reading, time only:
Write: 1:06
